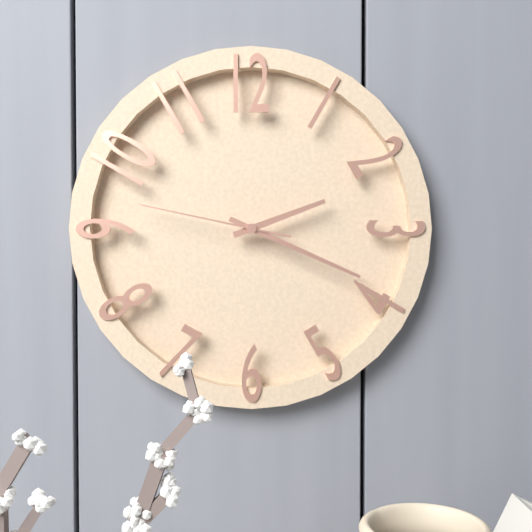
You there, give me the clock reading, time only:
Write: 2:19:47
